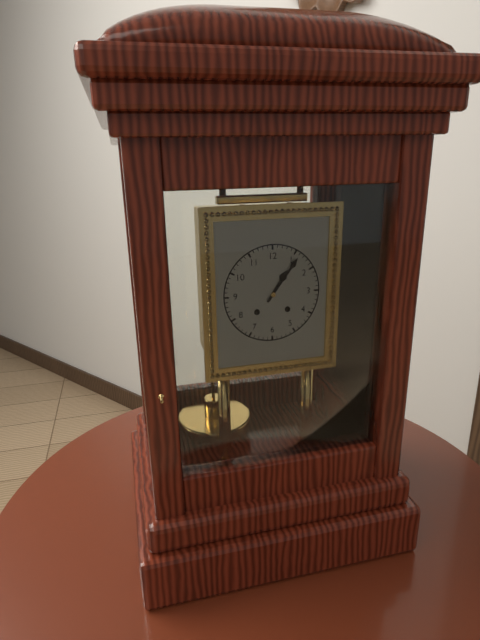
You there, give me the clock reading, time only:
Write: 1:06
